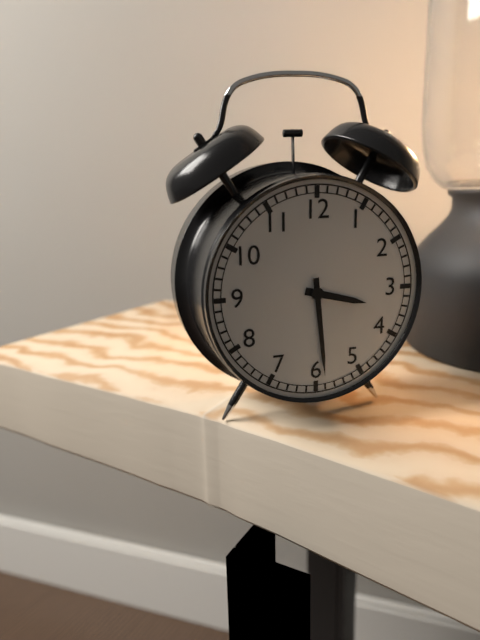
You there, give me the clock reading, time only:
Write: 3:29
